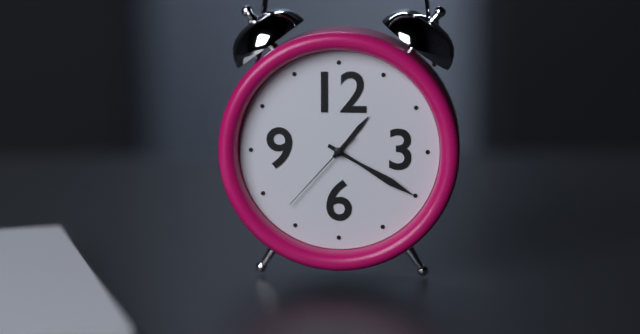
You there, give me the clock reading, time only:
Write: 1:20:37
